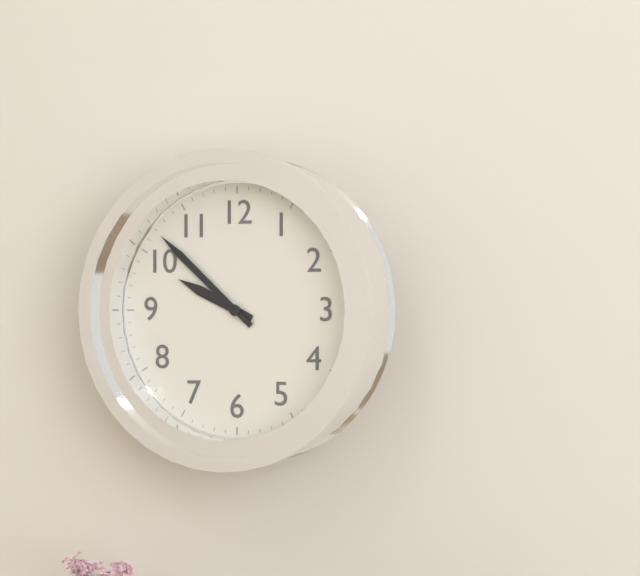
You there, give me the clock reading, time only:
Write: 9:52
